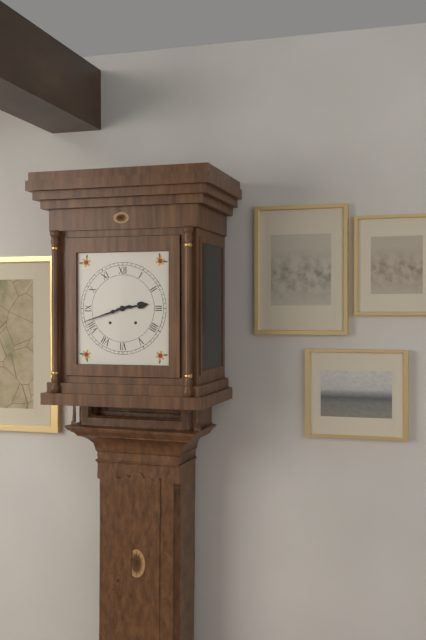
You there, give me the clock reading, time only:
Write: 2:42
